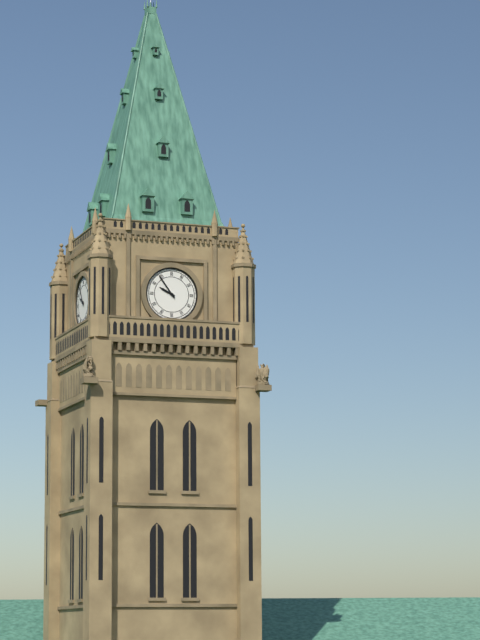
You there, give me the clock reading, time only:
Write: 9:54
